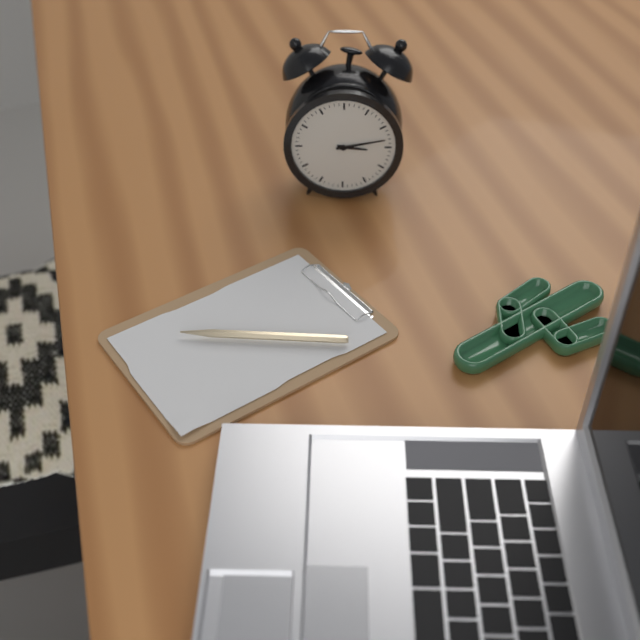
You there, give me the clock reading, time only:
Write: 3:13
